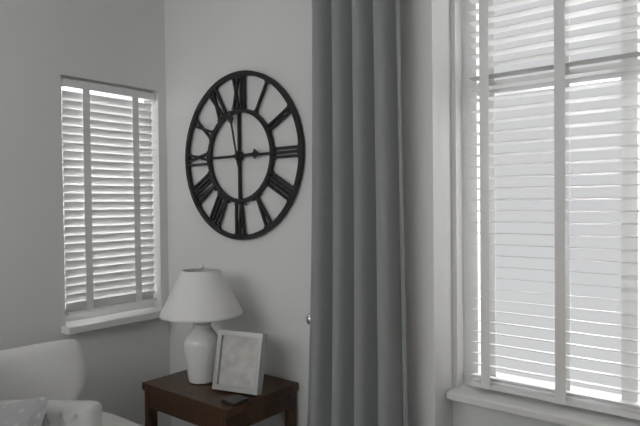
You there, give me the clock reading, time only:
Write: 2:58
